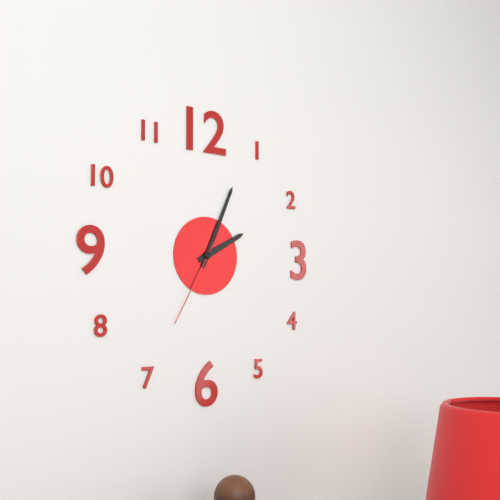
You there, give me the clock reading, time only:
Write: 2:04:35
